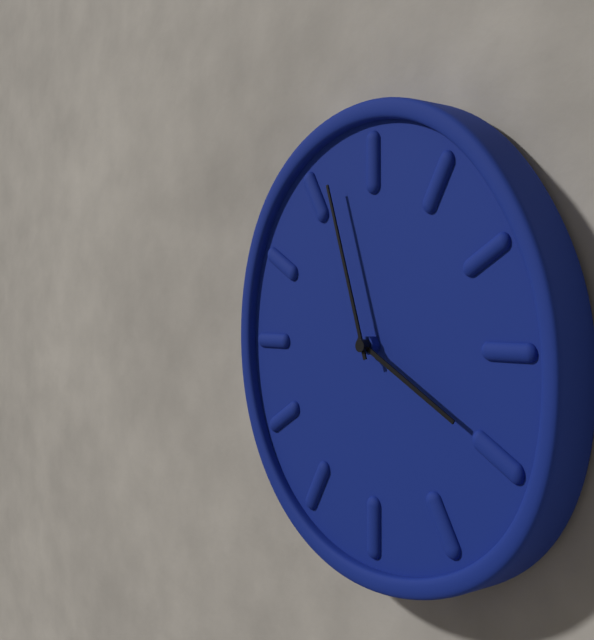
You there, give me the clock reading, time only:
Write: 3:57
